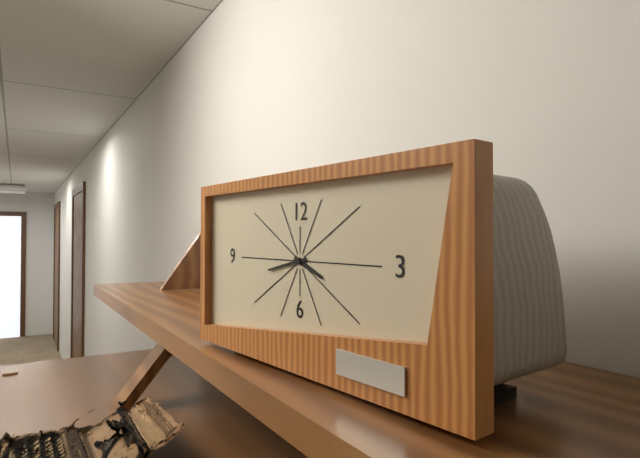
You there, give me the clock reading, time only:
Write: 3:43
